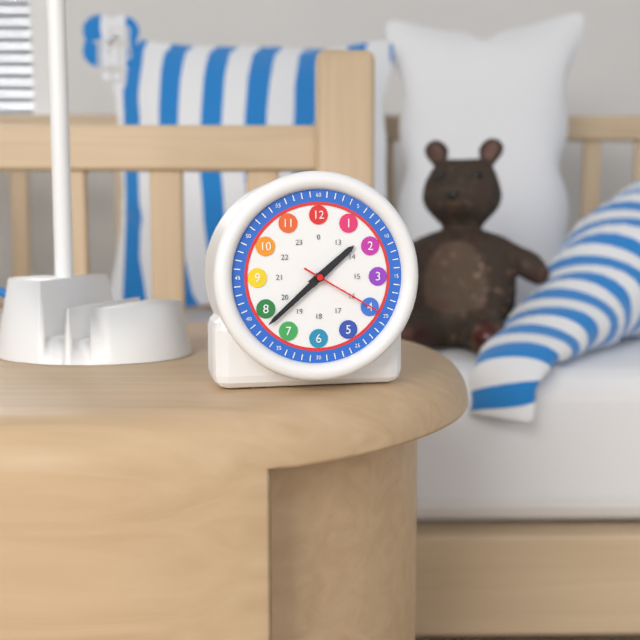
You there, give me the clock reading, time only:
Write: 1:38:20
